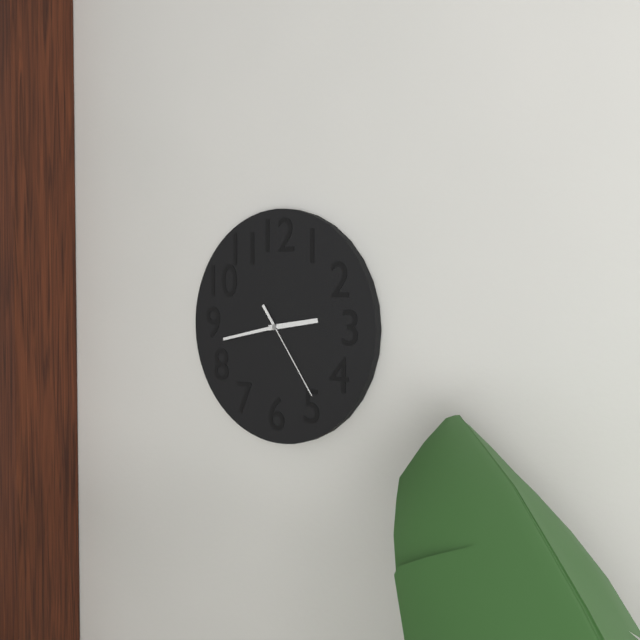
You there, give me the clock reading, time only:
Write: 2:43:24
